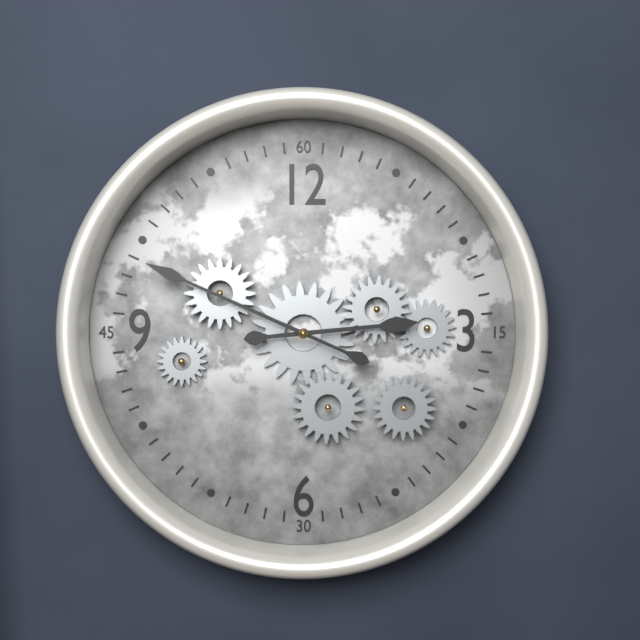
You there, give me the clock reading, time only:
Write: 2:49
